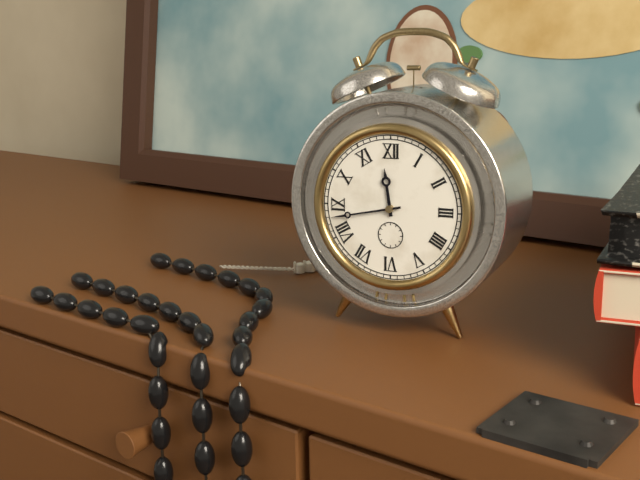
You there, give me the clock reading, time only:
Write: 11:43
